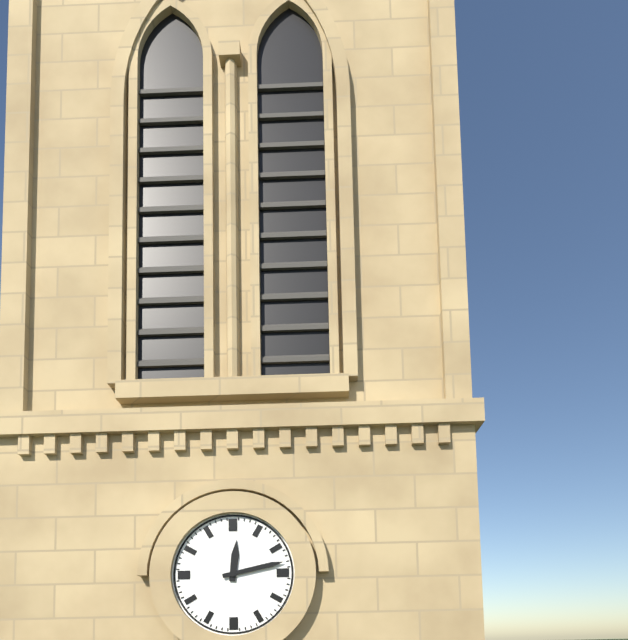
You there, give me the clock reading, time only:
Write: 12:13
